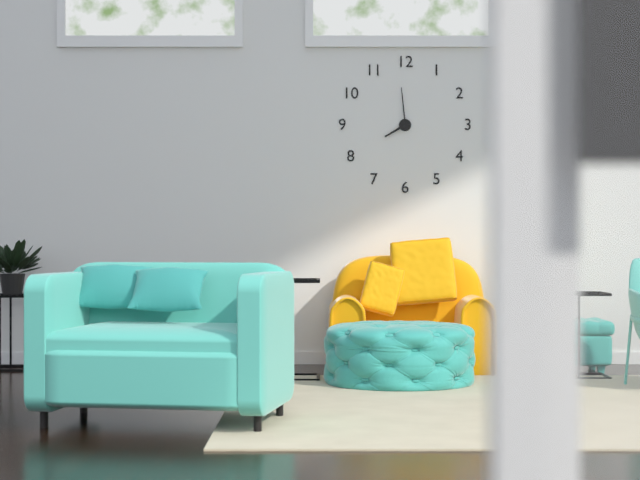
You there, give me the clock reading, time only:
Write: 7:59
